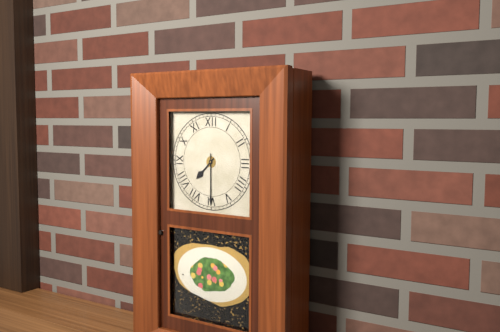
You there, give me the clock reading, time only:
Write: 7:30
